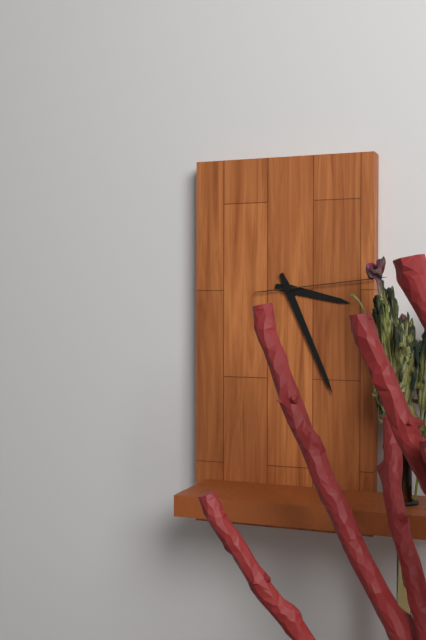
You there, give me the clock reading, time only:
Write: 3:26:14
